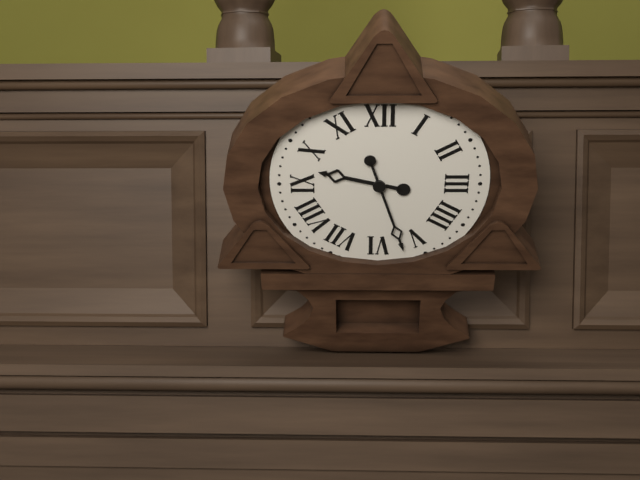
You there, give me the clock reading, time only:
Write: 9:27
